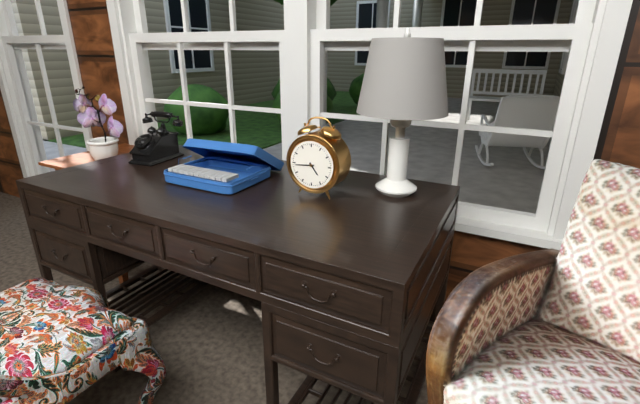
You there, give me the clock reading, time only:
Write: 4:44
